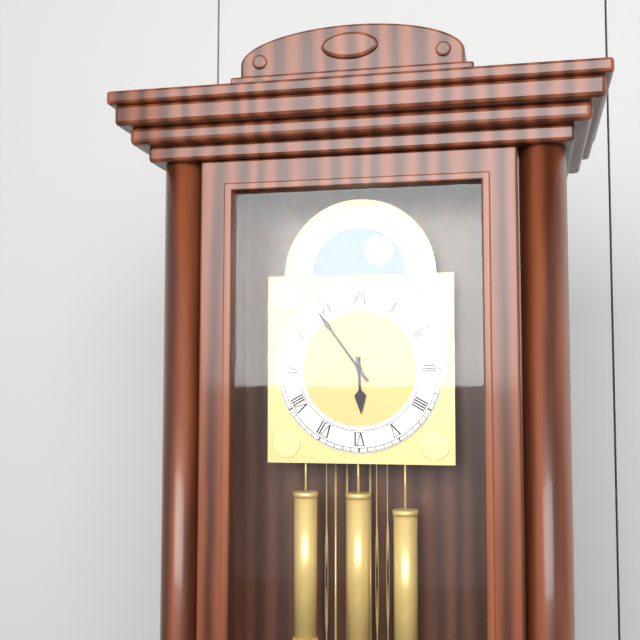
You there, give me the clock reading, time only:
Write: 5:54
